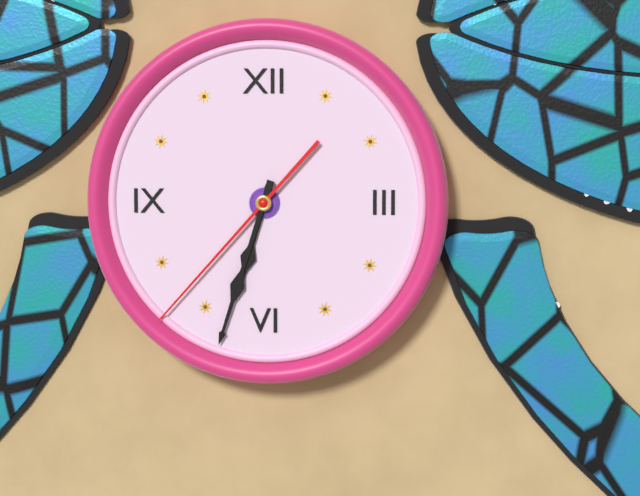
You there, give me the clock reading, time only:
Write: 6:33:37
